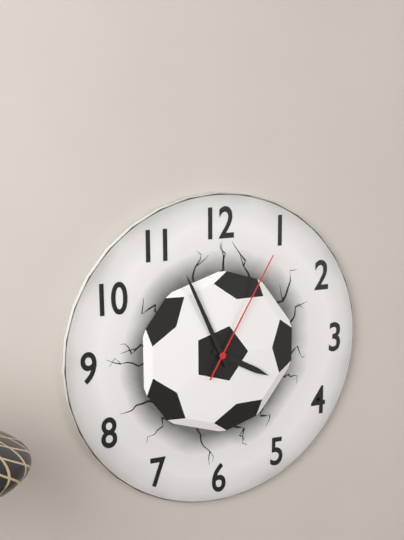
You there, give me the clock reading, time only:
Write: 3:56:05
